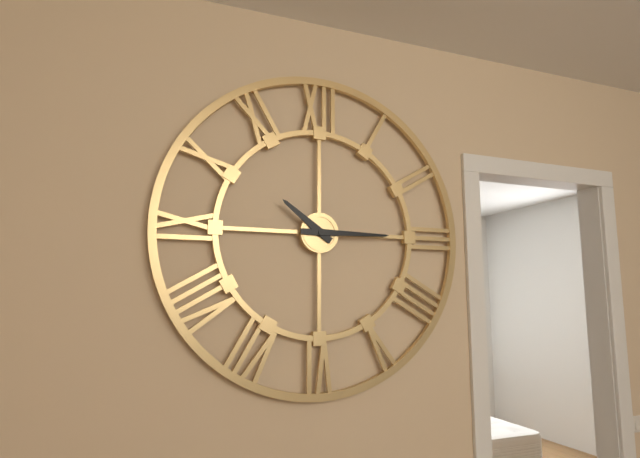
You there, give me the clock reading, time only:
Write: 10:15
